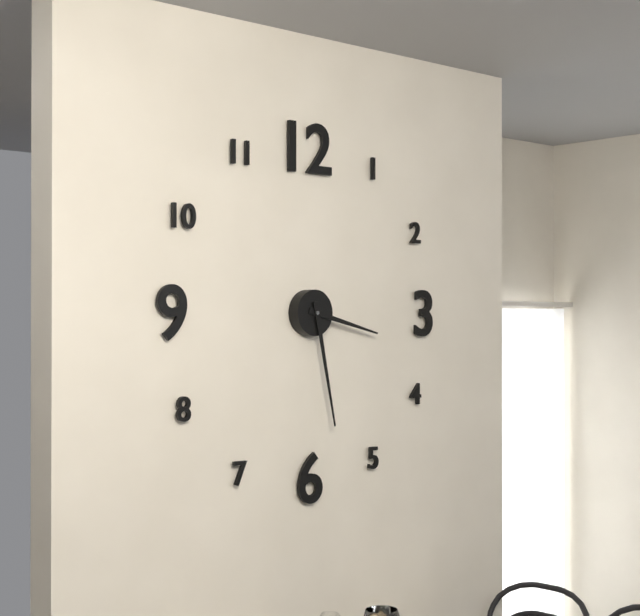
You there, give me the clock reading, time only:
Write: 3:28
